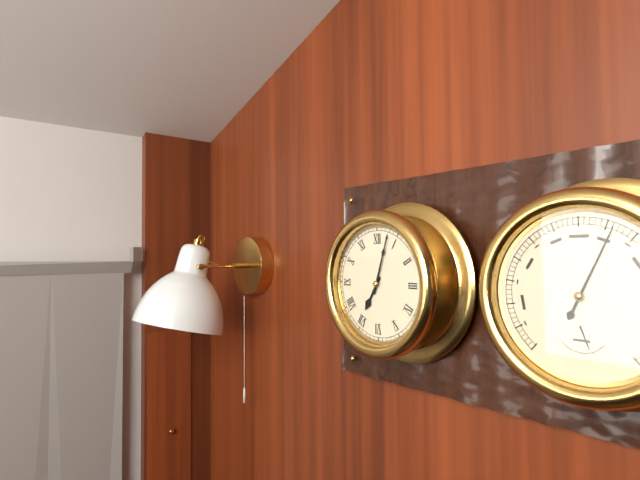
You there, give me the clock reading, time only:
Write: 7:03
